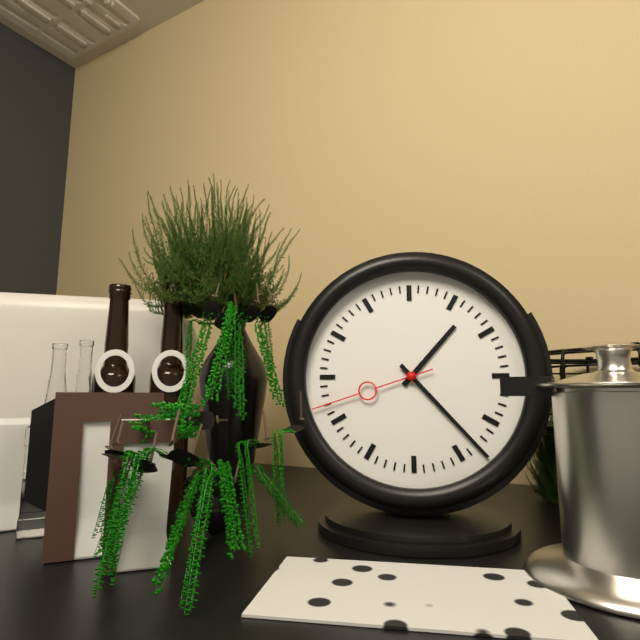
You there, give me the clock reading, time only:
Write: 1:23:42
